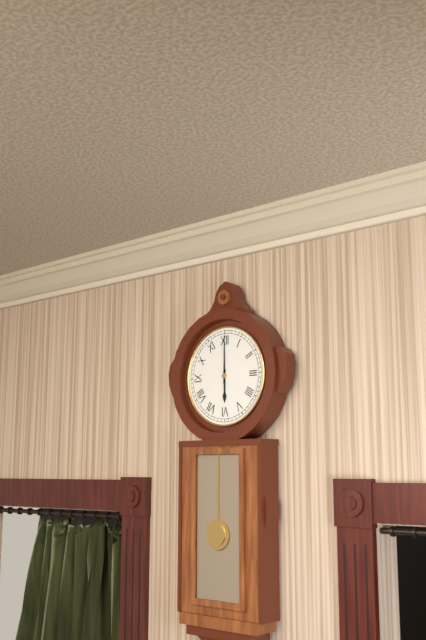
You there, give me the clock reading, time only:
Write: 6:00
